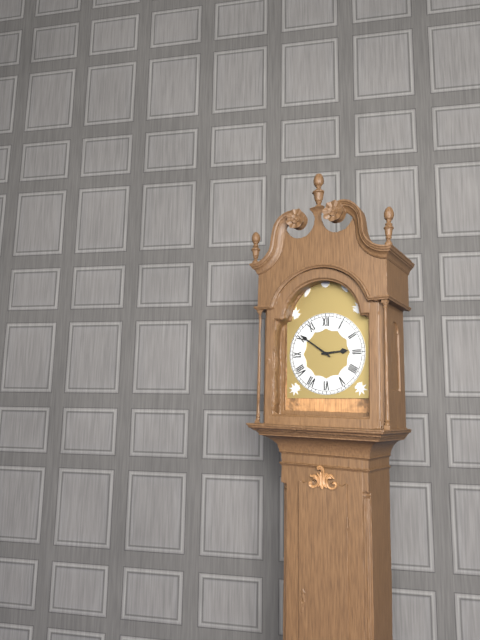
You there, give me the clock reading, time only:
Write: 2:51
